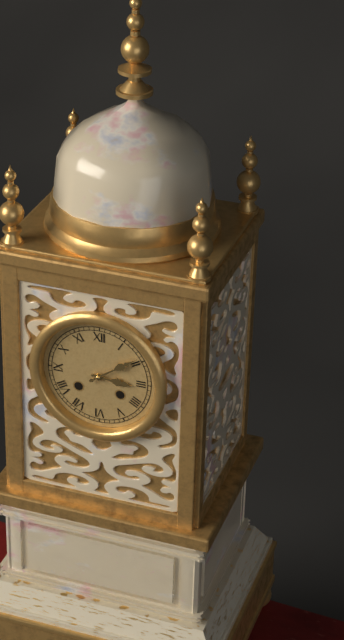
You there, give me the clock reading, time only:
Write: 3:09
